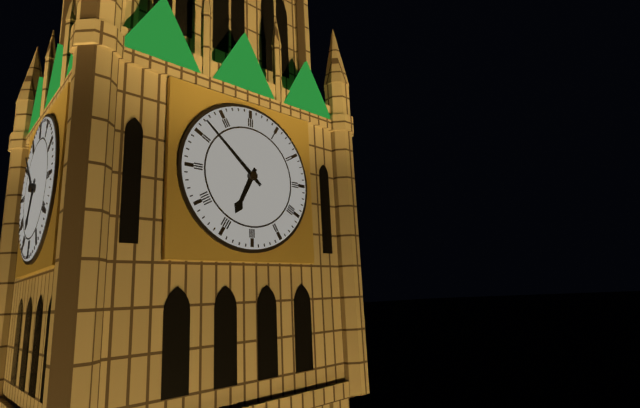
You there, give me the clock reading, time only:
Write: 6:52
